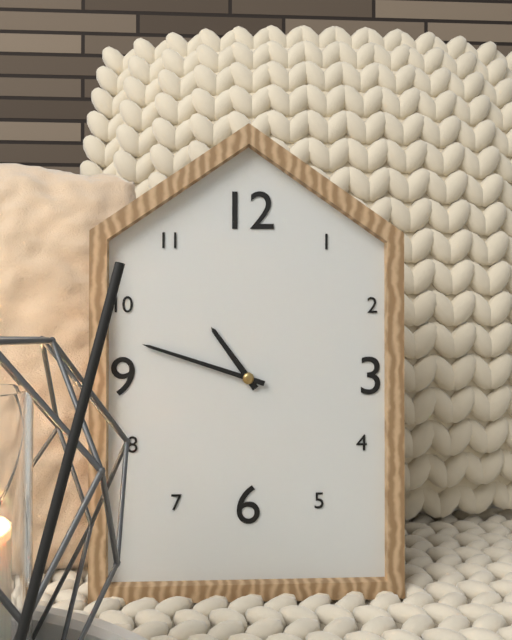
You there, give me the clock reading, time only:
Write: 10:48
